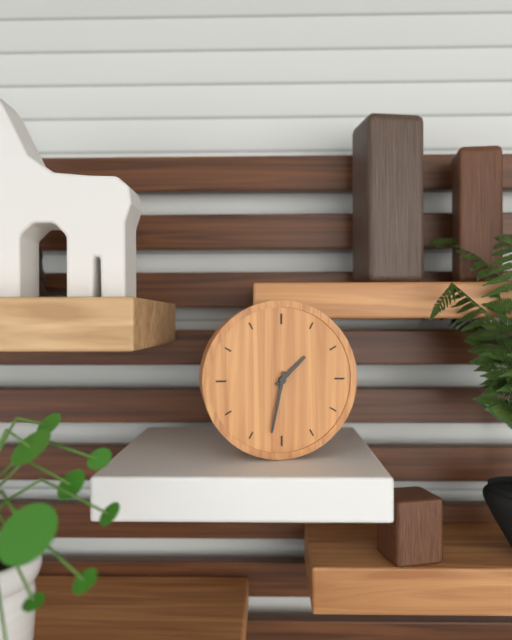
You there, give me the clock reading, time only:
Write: 1:32
